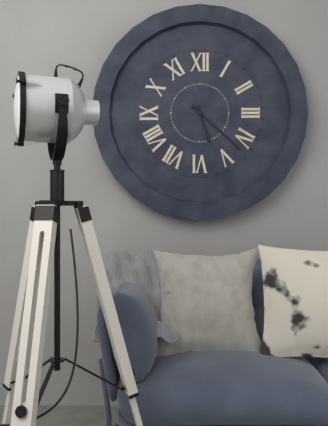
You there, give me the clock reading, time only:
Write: 5:22
